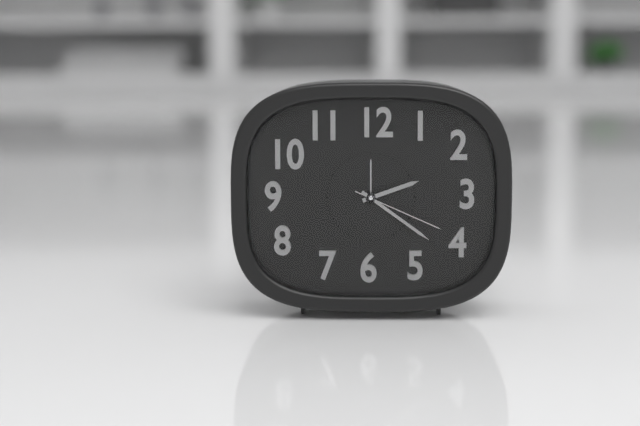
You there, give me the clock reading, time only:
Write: 2:21:19
